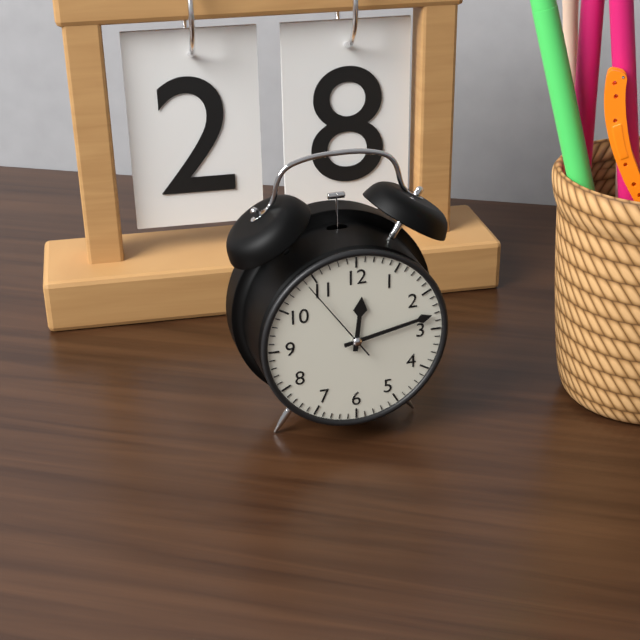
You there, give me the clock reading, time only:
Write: 12:13:54
